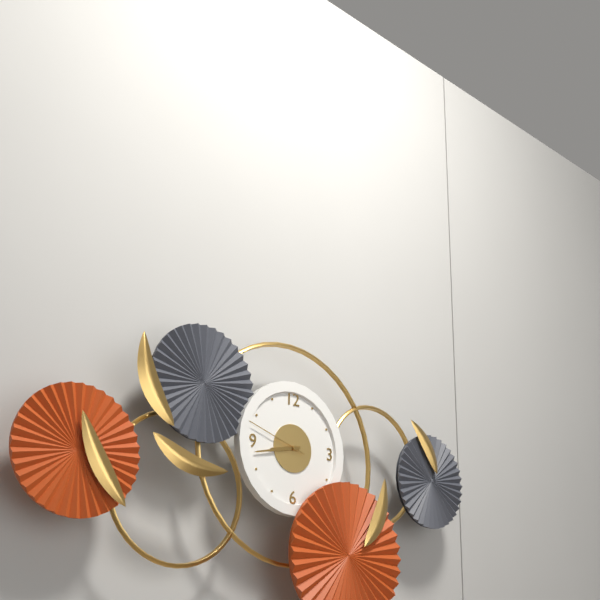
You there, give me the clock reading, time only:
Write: 8:43:48
